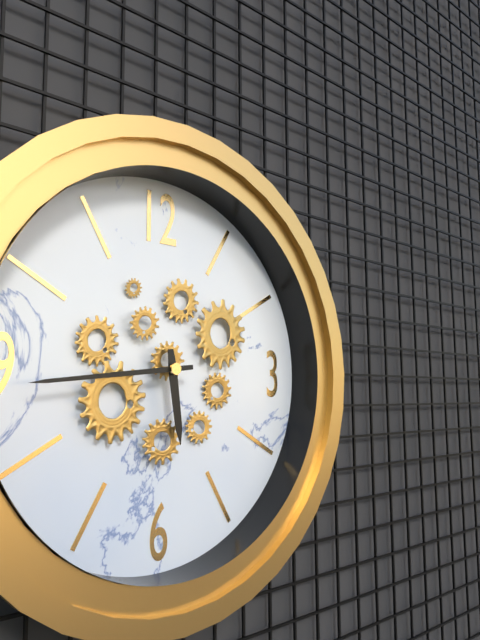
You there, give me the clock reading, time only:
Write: 5:44
